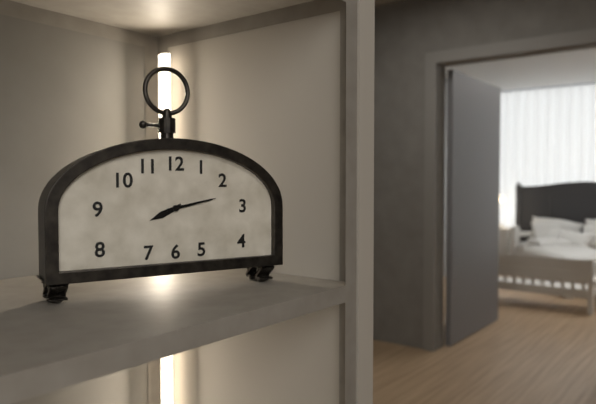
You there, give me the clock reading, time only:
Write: 8:13
